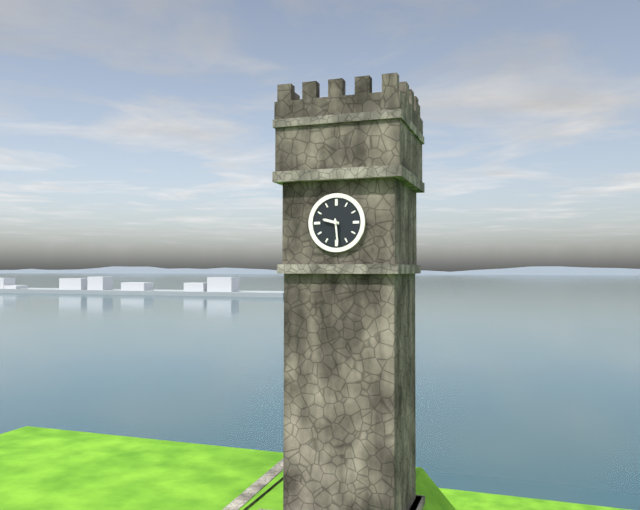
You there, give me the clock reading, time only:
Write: 9:29
